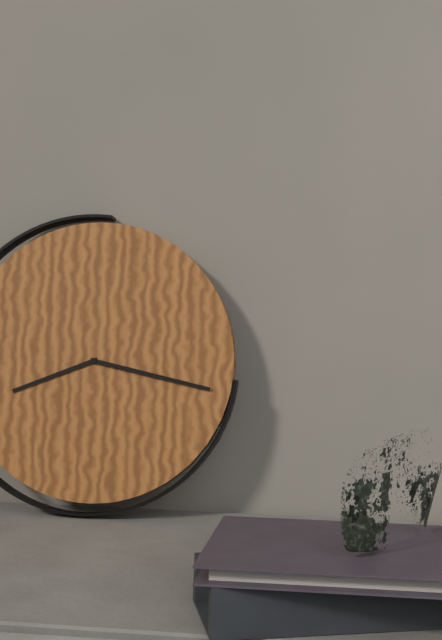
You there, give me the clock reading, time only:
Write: 8:17
